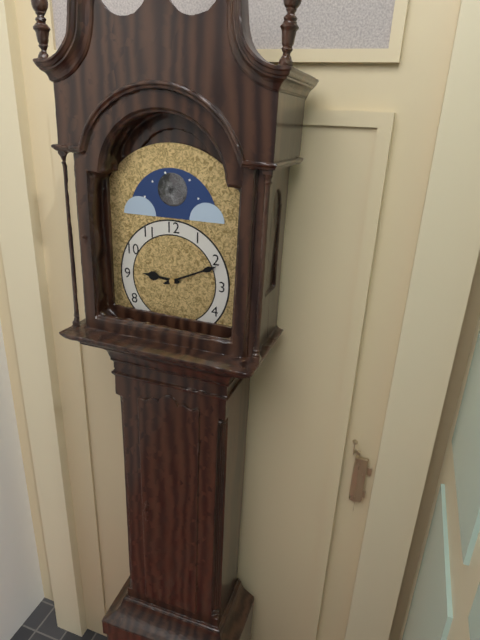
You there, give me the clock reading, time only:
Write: 9:11
